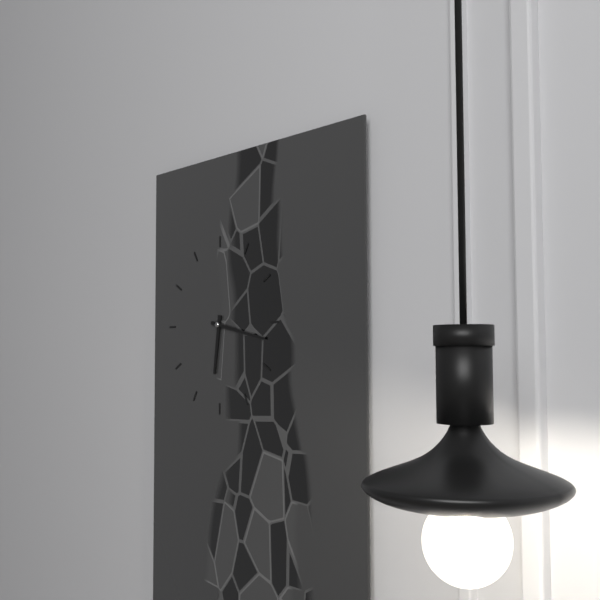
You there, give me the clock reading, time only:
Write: 6:17
